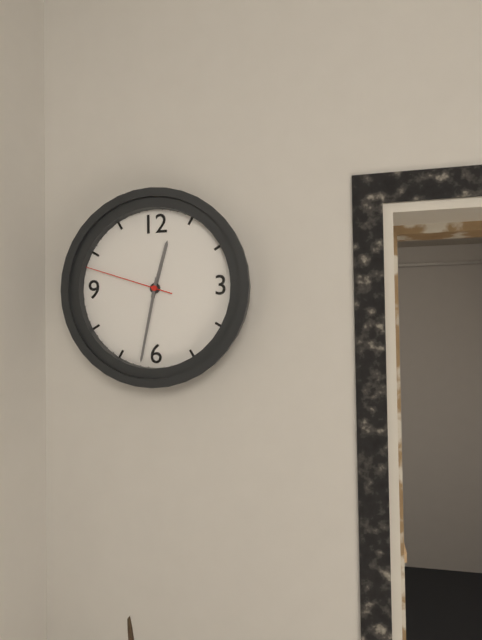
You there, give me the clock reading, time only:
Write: 12:32:48
